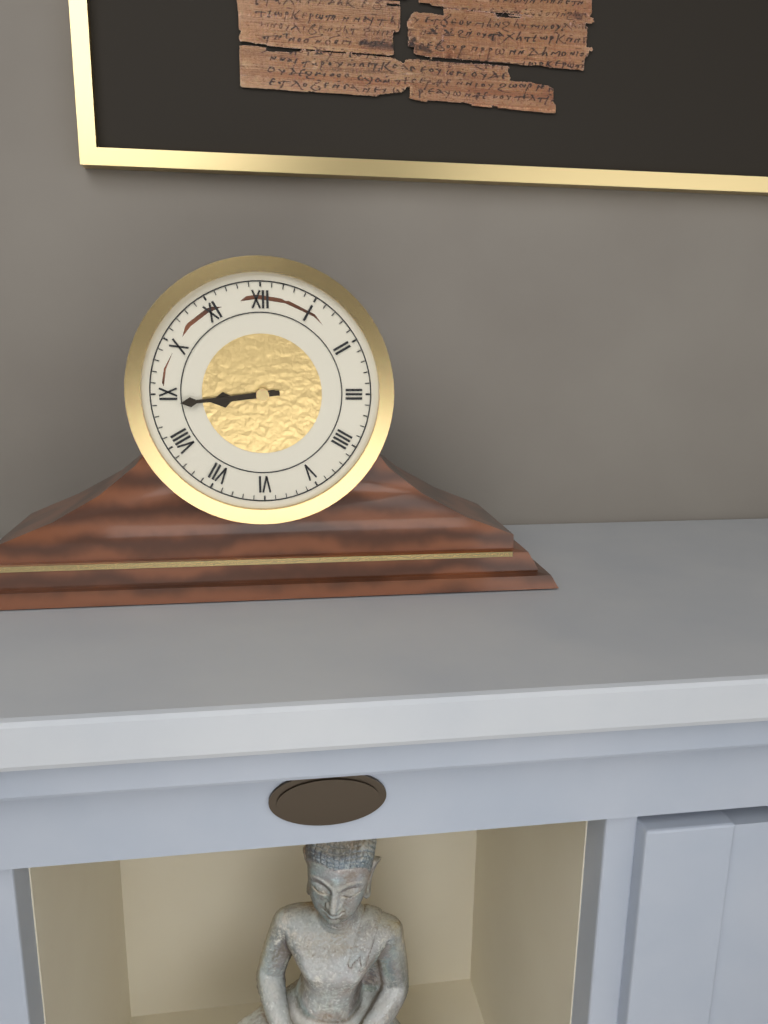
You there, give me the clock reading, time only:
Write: 8:44
